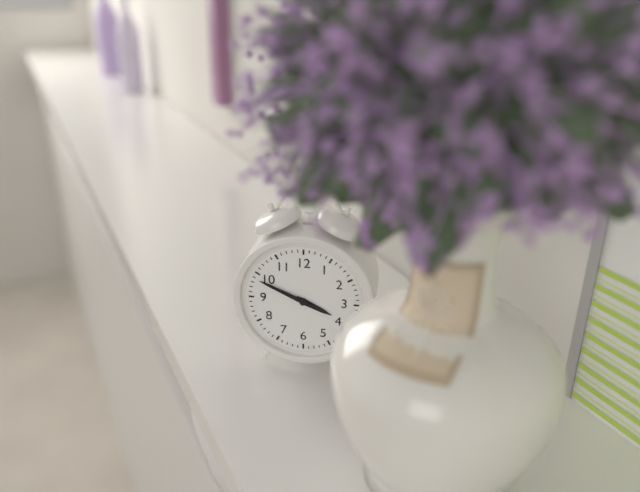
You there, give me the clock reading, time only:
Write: 3:49
